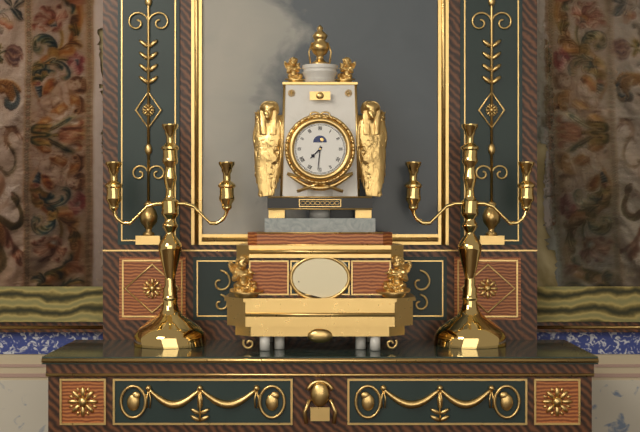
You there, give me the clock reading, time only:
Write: 7:31
